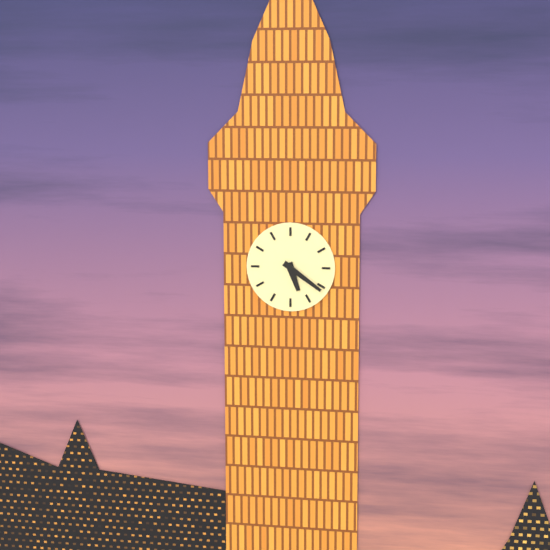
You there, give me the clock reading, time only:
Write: 5:21
